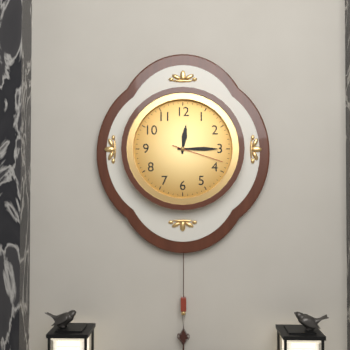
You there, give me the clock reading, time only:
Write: 12:15:18
